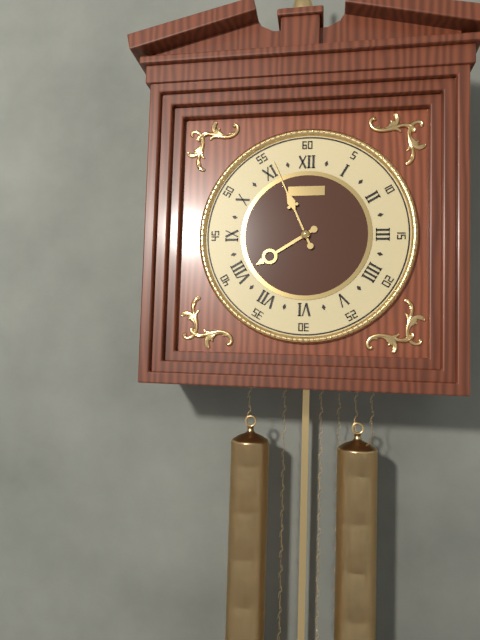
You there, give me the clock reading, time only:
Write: 7:56
